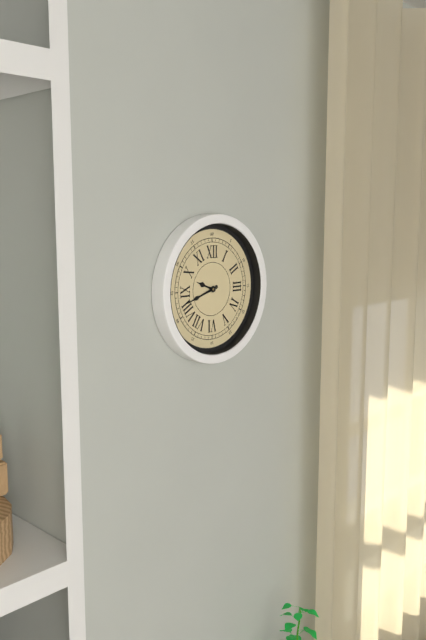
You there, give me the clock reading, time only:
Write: 9:42
